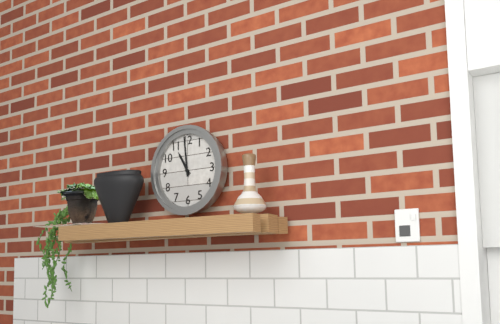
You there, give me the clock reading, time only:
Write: 10:59
